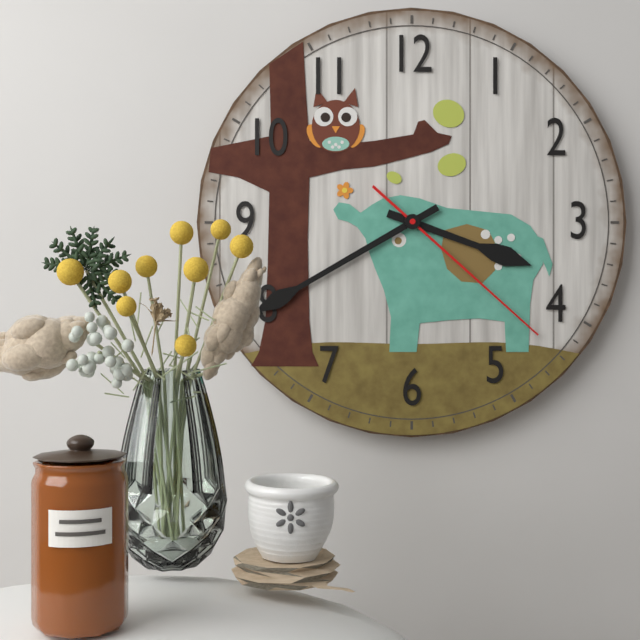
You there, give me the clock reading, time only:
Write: 3:40:22
